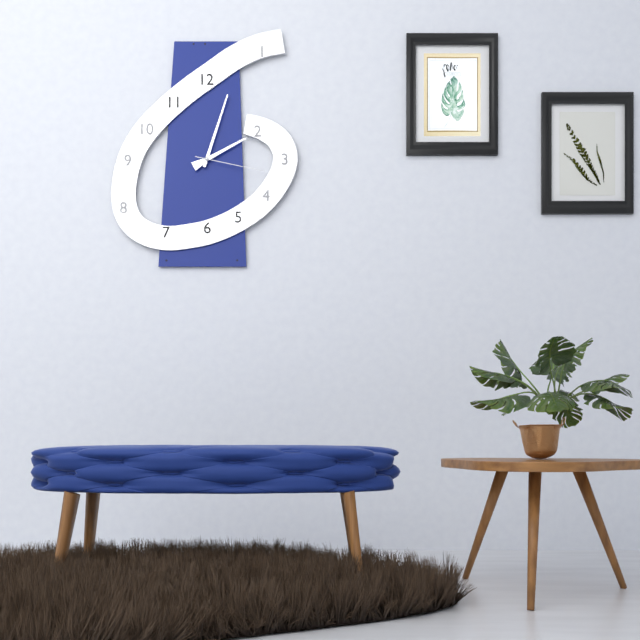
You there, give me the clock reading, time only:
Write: 2:03:17
